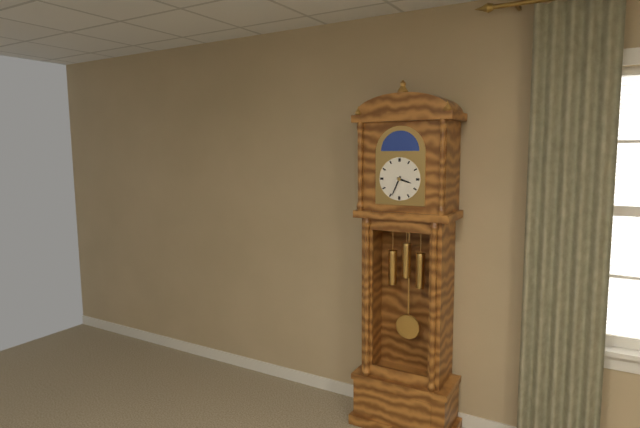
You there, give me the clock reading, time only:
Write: 3:34
